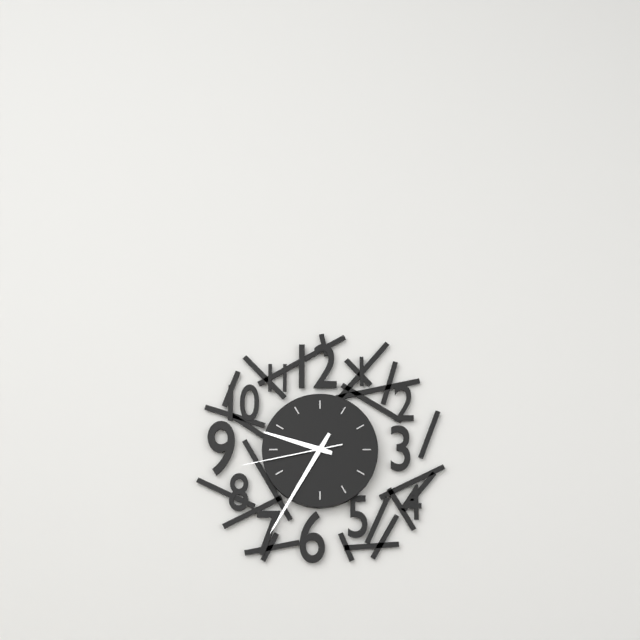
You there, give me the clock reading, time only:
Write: 9:35:43
